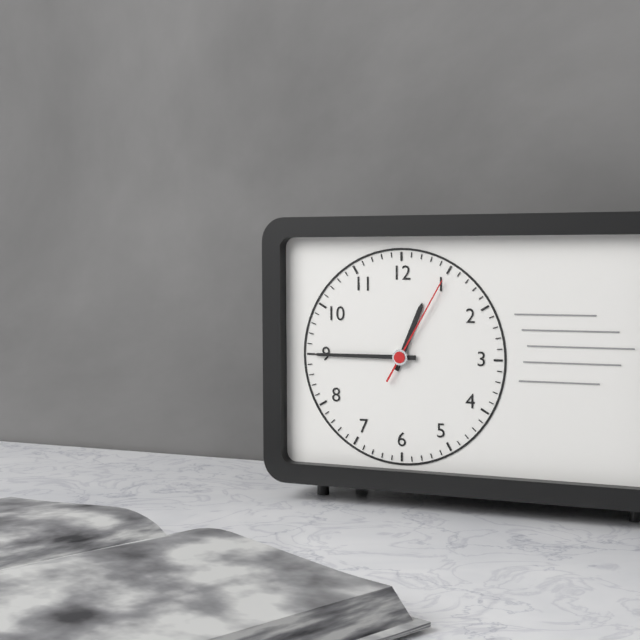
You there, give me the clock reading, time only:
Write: 12:45:05
